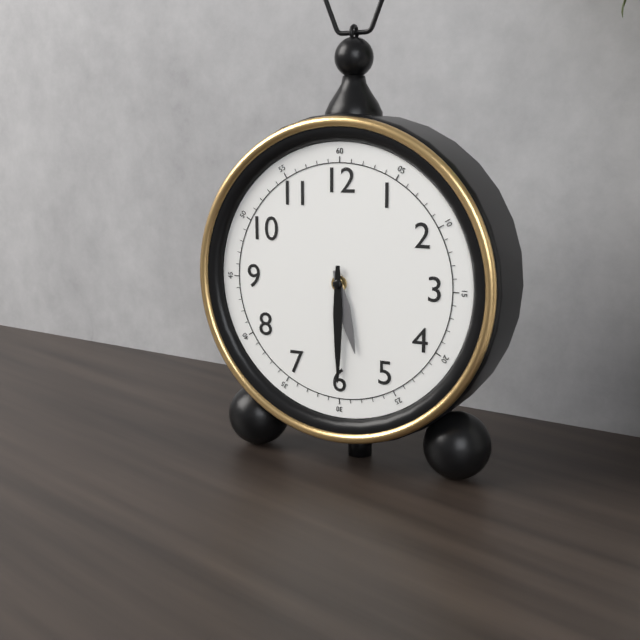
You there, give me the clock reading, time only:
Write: 5:30
